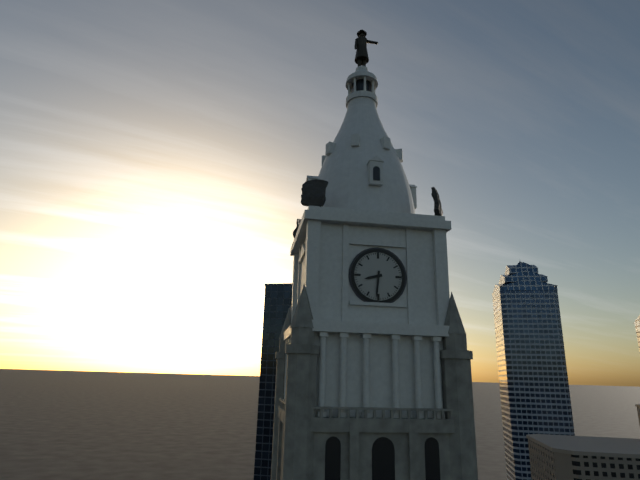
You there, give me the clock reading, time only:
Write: 8:31
